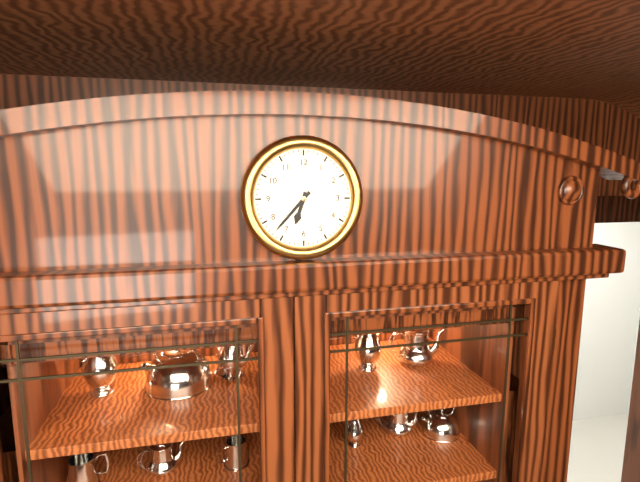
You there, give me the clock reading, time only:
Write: 6:37
